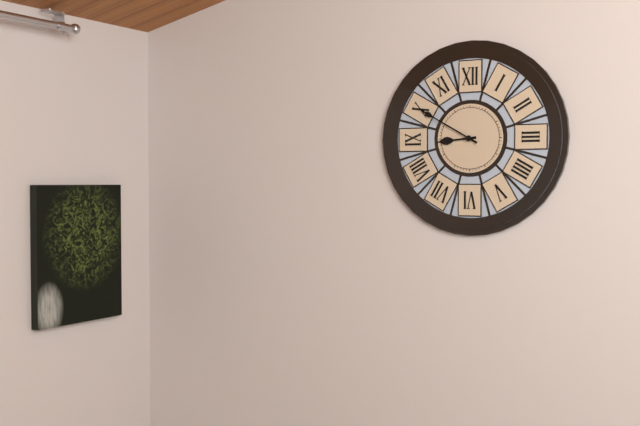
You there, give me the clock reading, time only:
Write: 8:50
